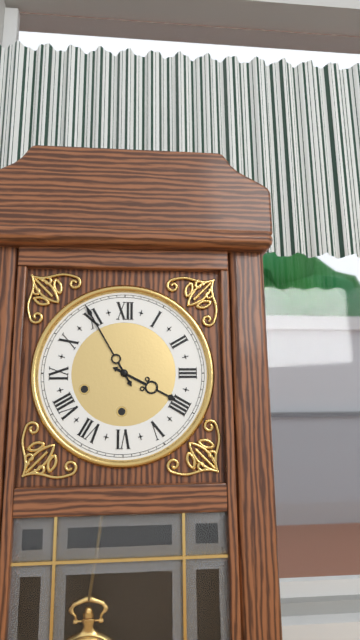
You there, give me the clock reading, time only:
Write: 3:55
